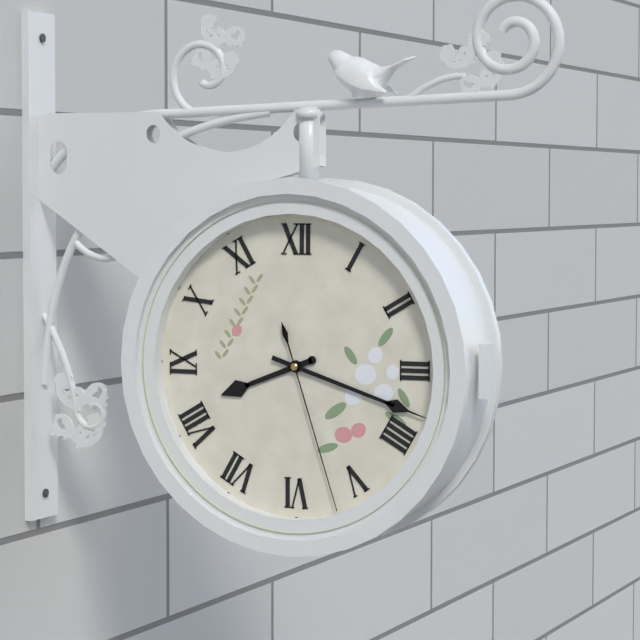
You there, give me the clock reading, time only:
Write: 8:18:27
